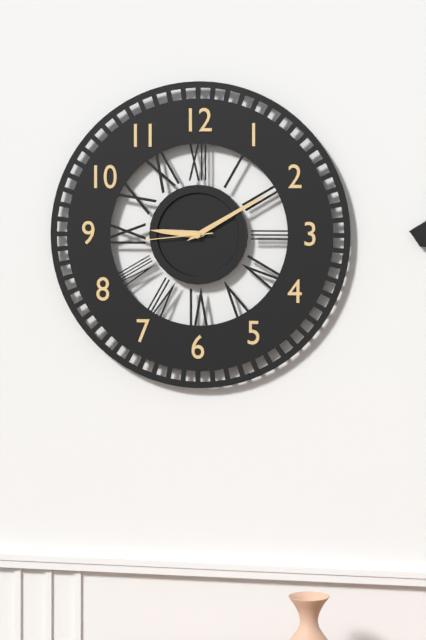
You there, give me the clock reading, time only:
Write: 9:10:44
